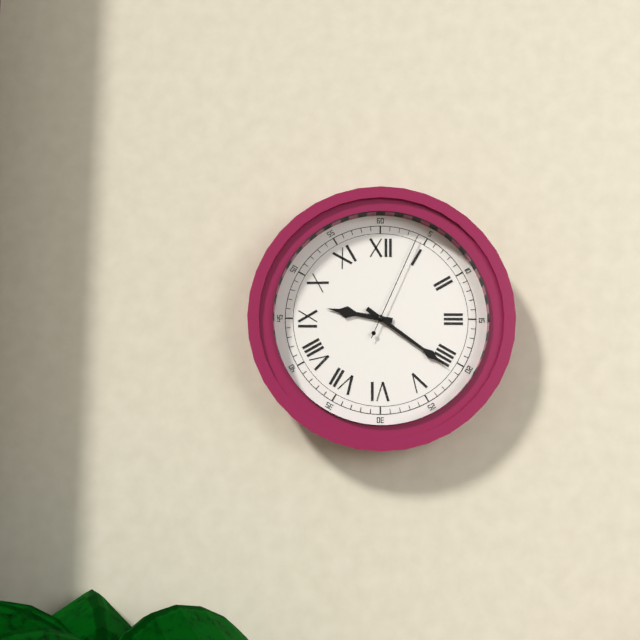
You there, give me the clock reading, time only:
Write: 9:21:04
